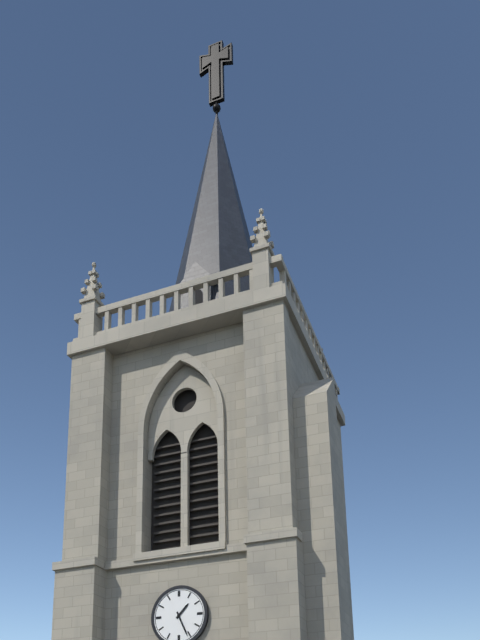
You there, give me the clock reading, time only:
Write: 1:26
